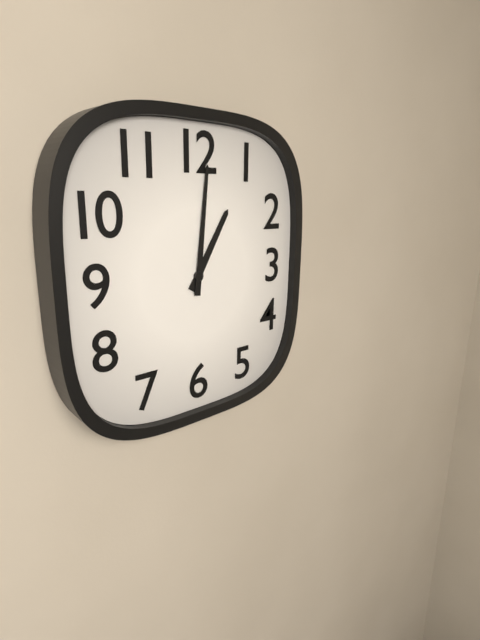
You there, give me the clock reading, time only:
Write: 1:01
